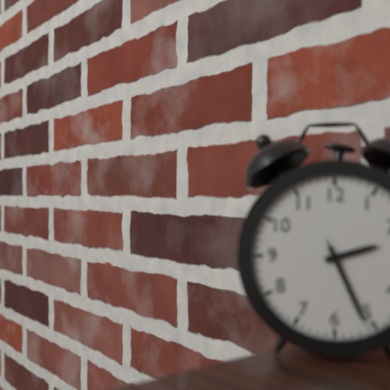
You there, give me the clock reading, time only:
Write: 2:26:26
